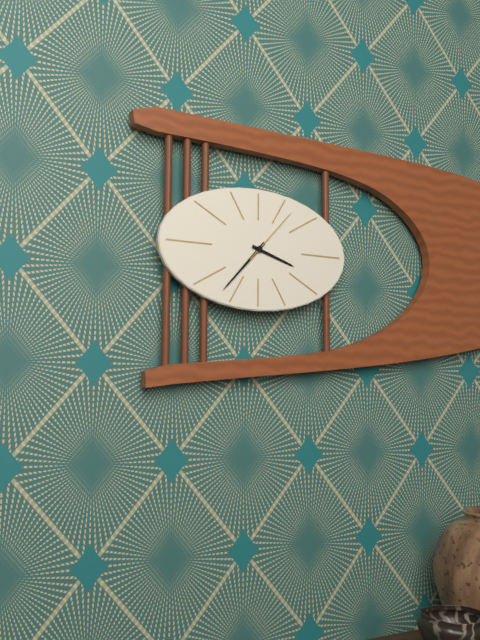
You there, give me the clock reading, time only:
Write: 3:37:07
